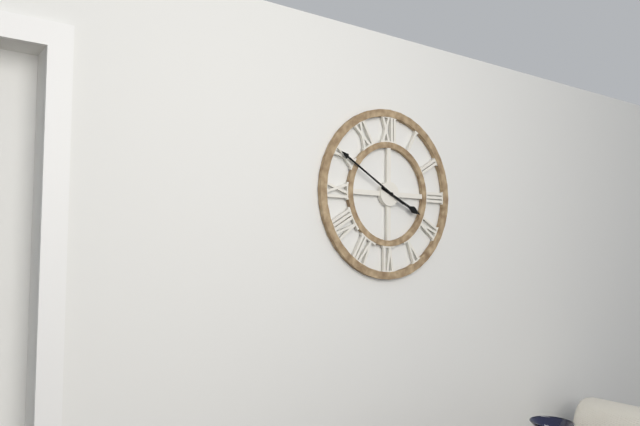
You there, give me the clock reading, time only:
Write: 3:50
